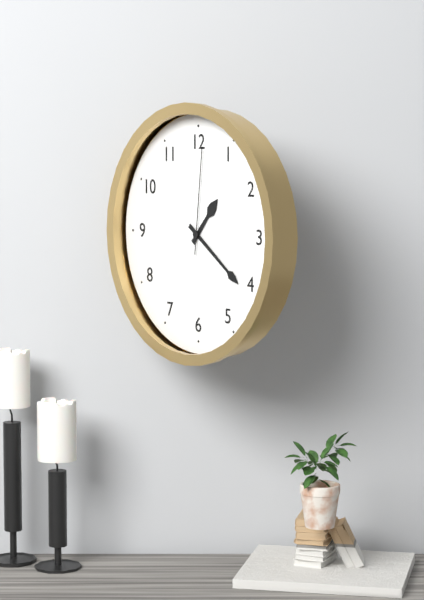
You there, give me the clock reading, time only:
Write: 1:21:01
